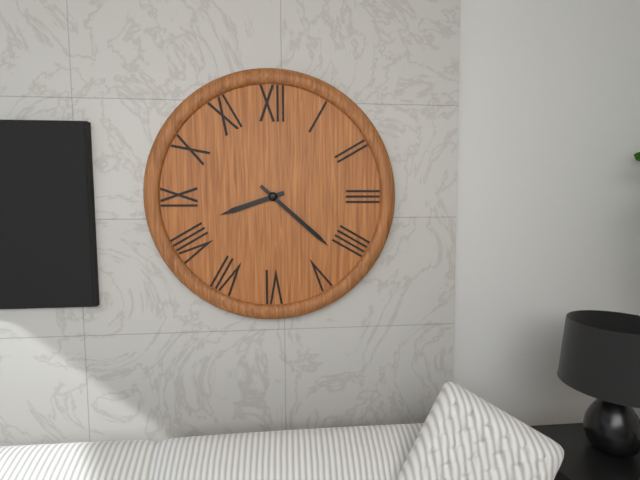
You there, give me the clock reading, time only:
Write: 8:22
